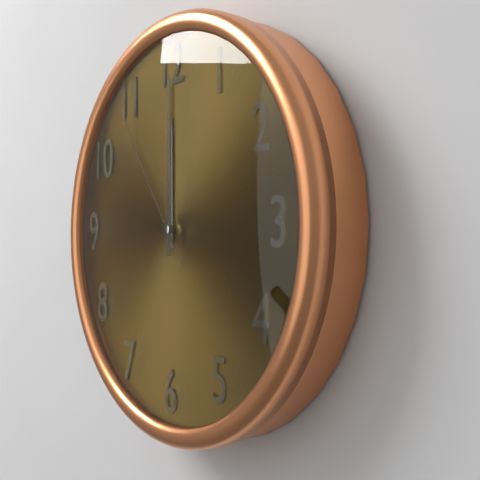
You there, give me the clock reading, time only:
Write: 12:00:54
